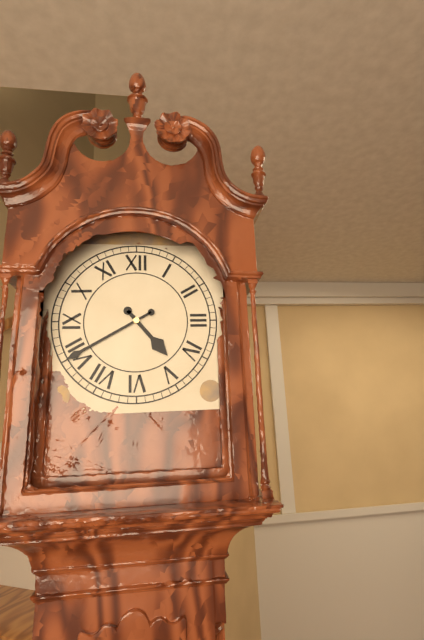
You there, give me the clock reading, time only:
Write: 4:40
